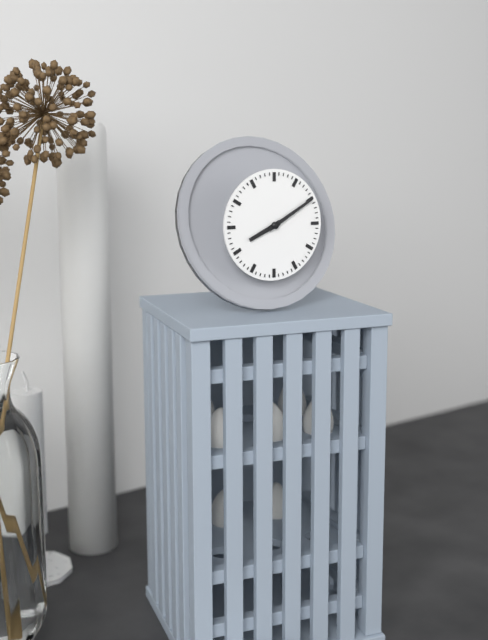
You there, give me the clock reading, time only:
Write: 8:10
